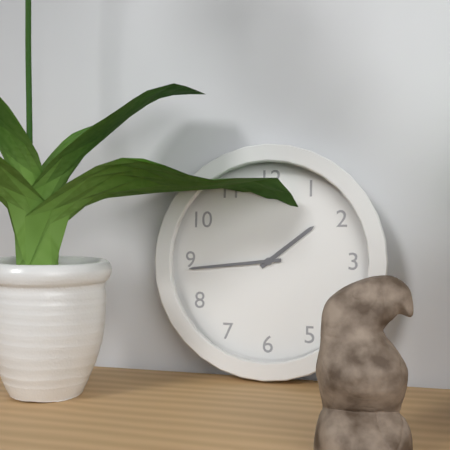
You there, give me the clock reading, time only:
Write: 1:44
